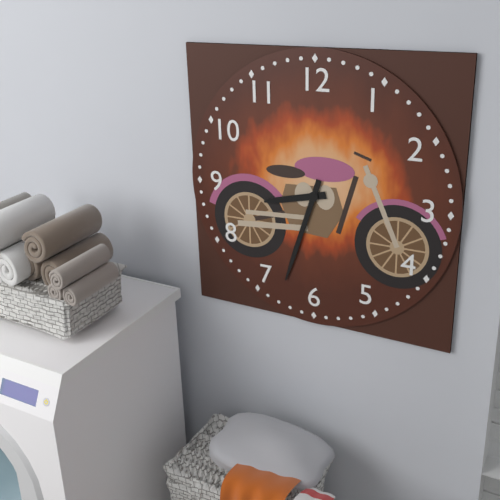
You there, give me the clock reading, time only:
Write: 8:33
